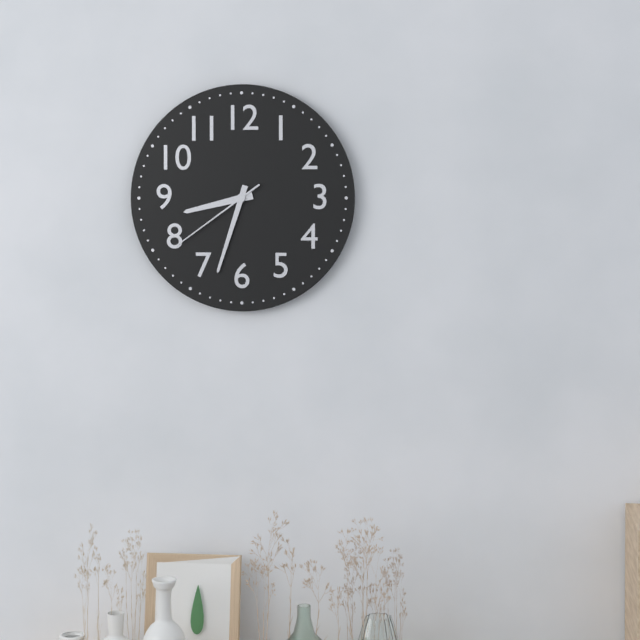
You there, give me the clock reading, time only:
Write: 8:33:39
